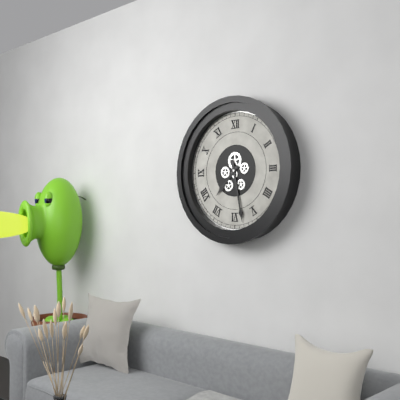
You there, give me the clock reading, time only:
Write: 7:28
